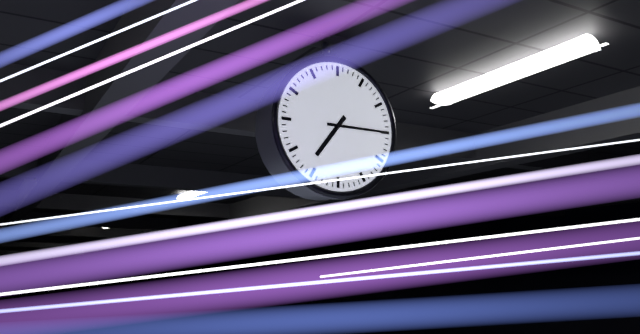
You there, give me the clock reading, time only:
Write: 7:15
